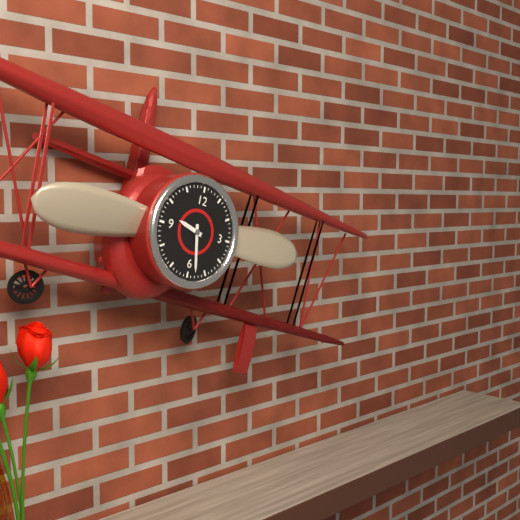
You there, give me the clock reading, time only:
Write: 9:28
